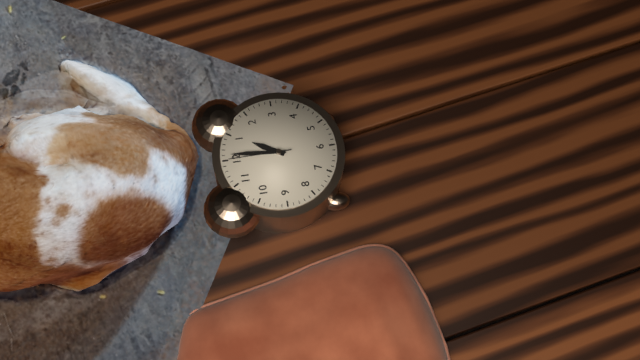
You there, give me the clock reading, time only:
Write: 1:01:00
